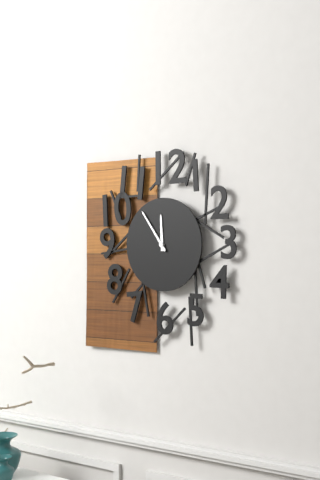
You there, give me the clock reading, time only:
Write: 11:54
